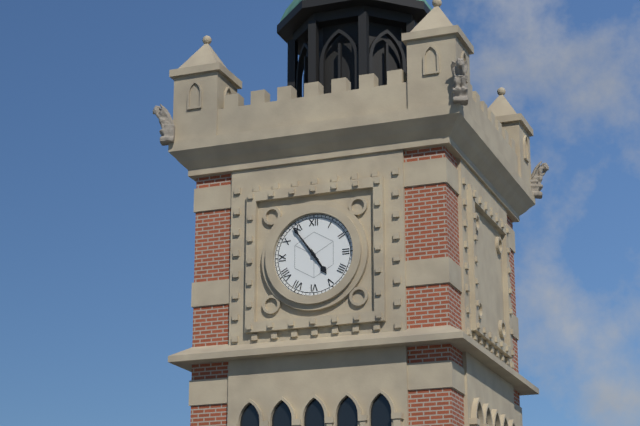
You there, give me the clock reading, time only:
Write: 4:54
